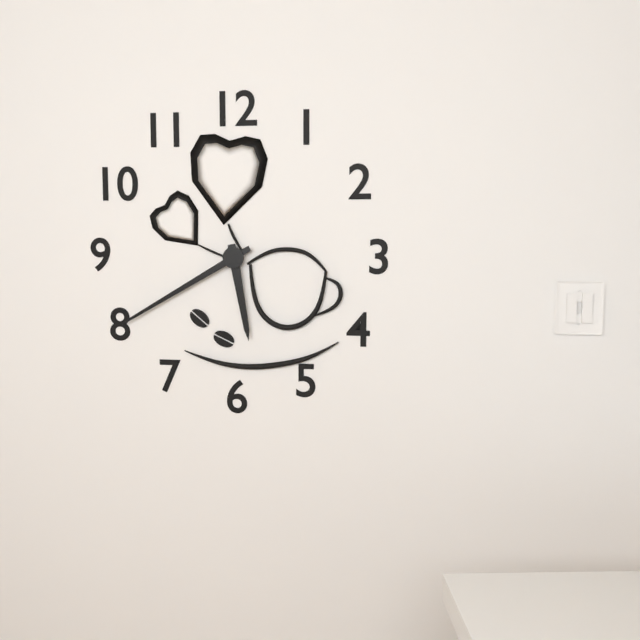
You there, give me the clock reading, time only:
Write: 5:40
